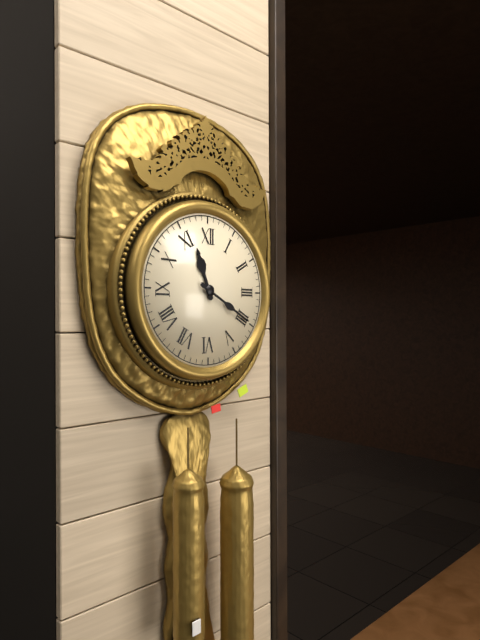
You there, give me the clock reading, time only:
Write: 11:20
